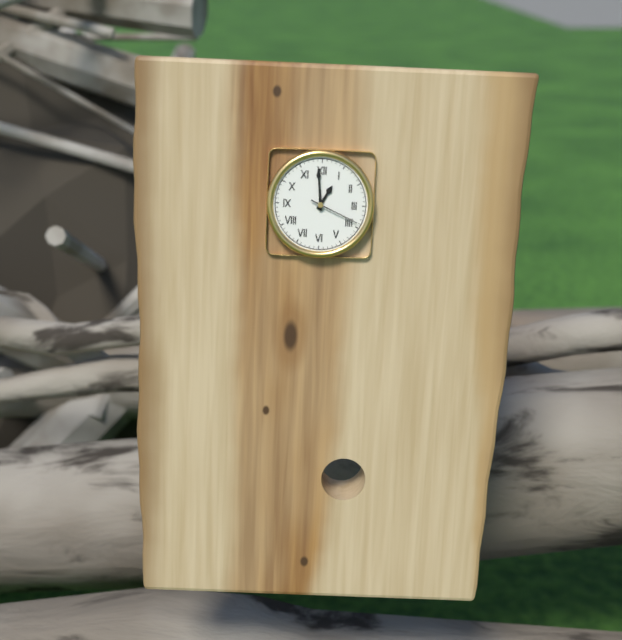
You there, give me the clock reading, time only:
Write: 12:59:19
